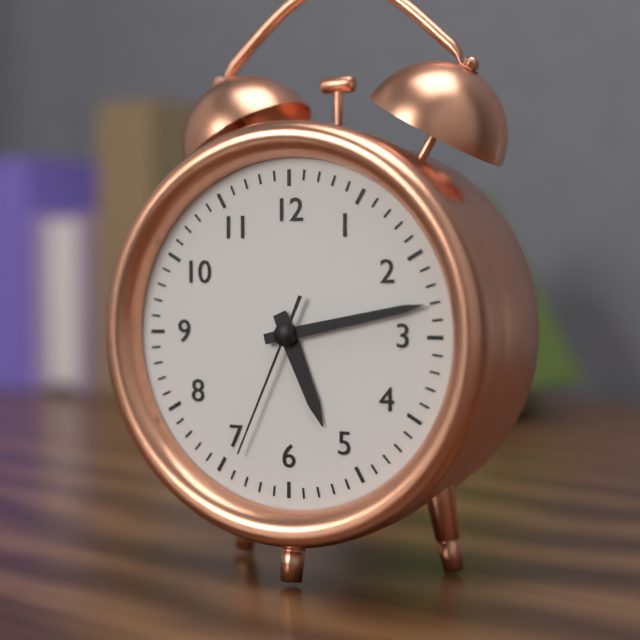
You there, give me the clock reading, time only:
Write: 5:13:34
